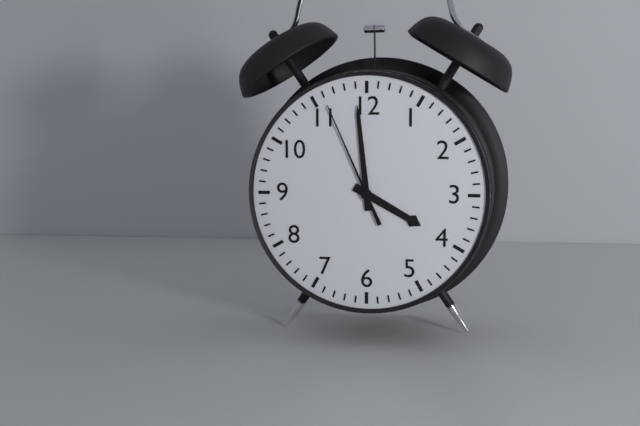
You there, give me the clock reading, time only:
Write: 3:59:56
